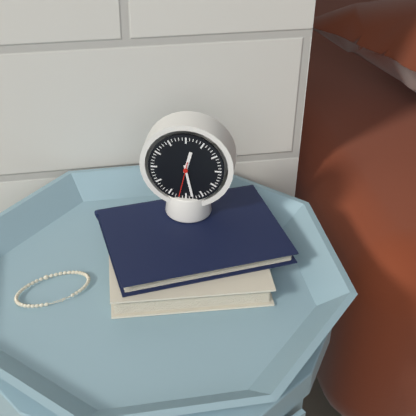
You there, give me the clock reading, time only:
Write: 12:28
